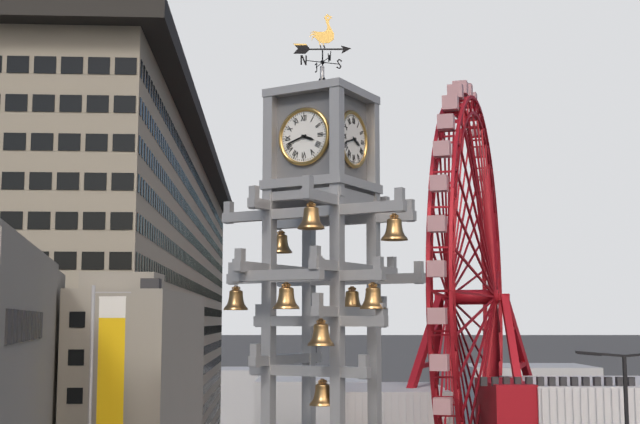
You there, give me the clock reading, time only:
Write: 3:42
